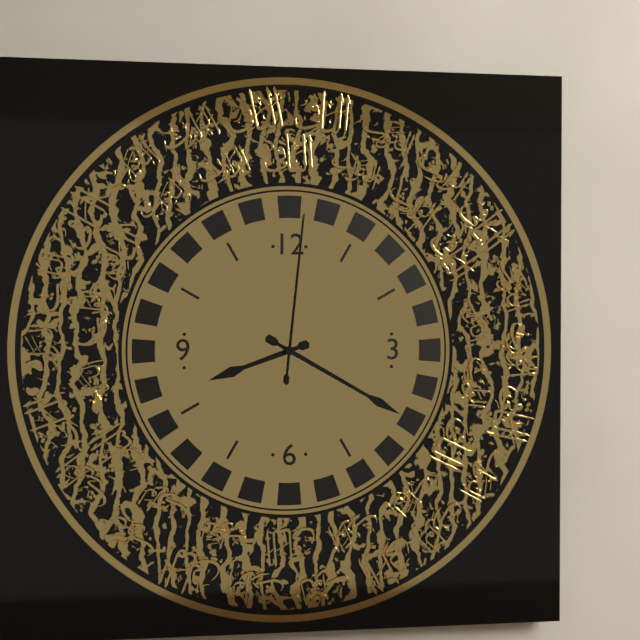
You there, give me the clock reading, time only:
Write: 8:20:01
